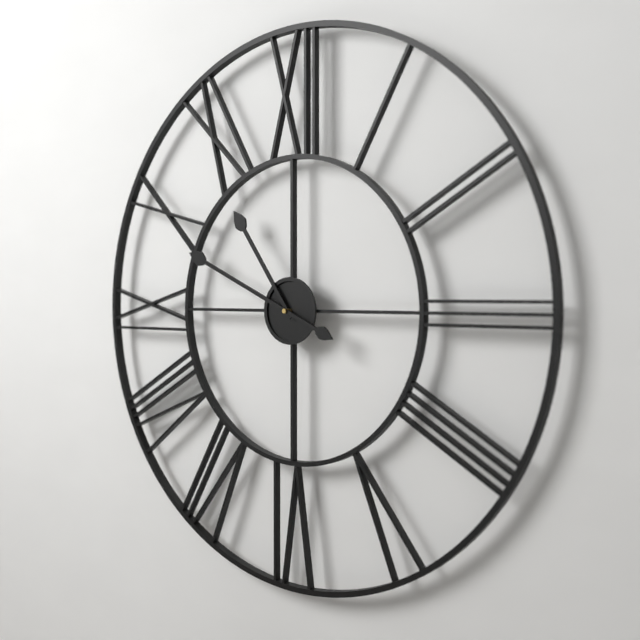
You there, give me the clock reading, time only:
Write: 10:49
